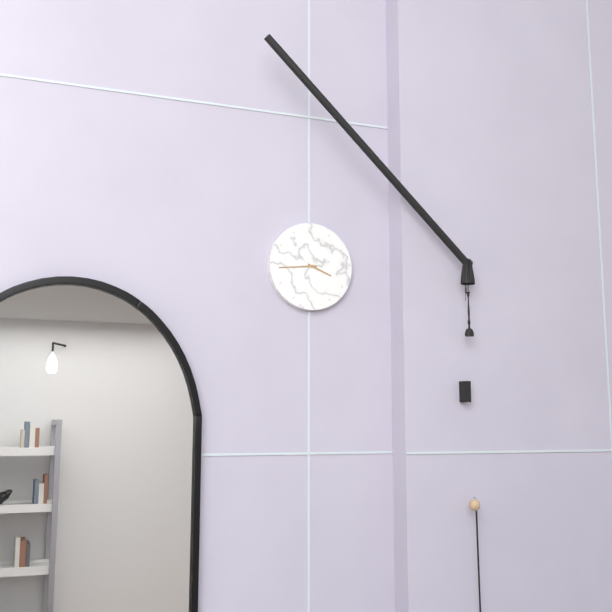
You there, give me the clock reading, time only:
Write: 3:44
